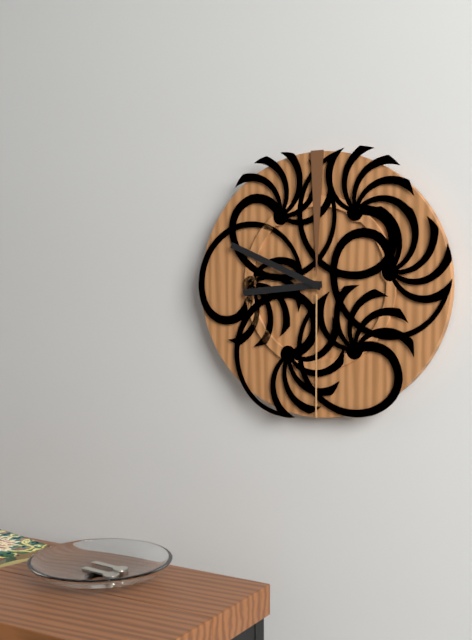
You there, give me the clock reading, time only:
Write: 8:49
